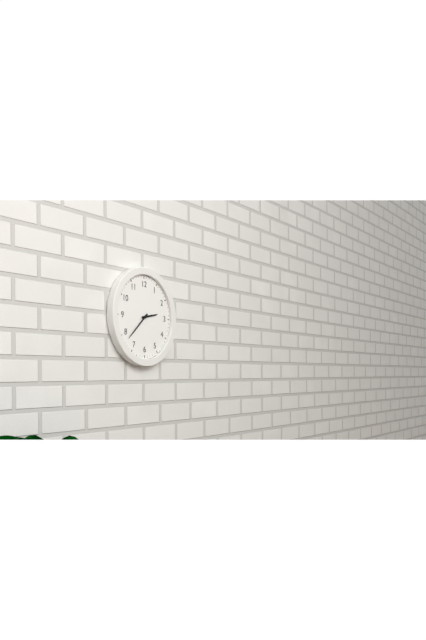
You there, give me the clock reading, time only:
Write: 2:38
